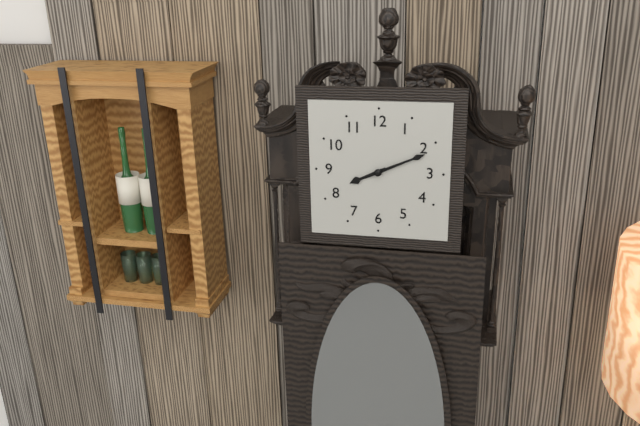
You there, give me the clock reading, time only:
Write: 8:11
